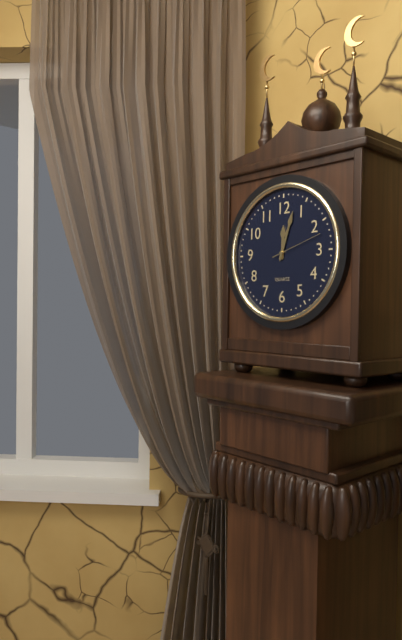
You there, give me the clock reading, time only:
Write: 12:03:12
